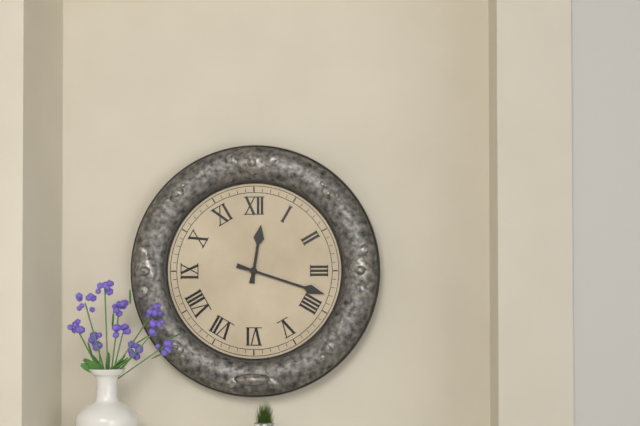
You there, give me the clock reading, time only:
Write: 12:18
